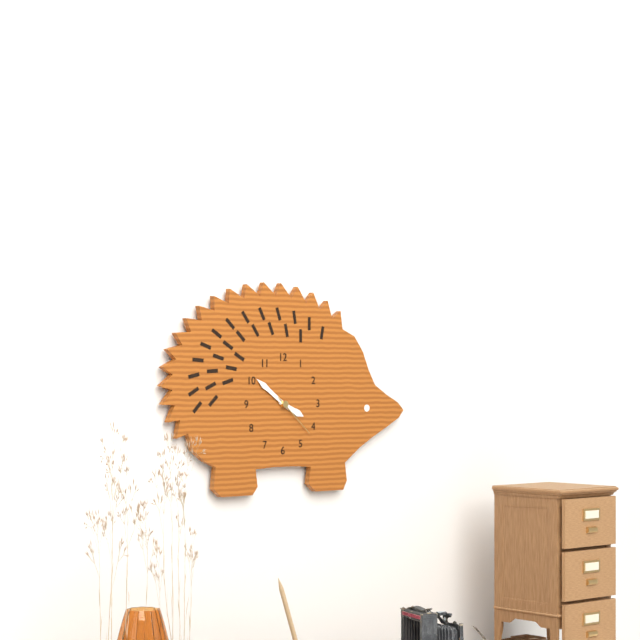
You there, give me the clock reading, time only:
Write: 3:51
